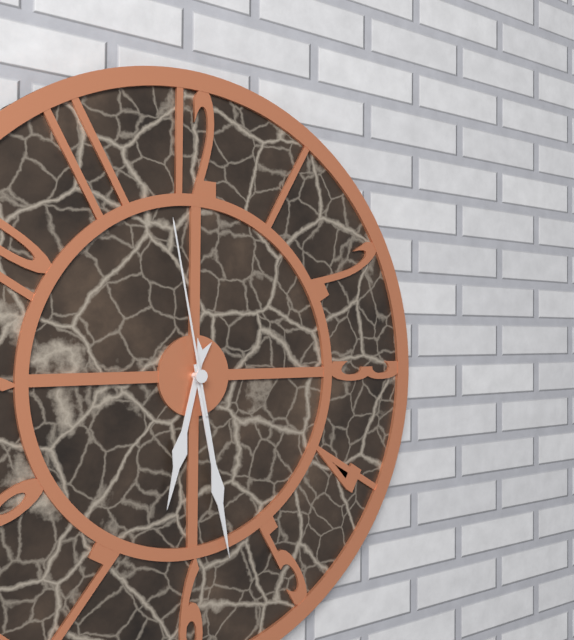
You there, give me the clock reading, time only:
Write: 6:28:58
